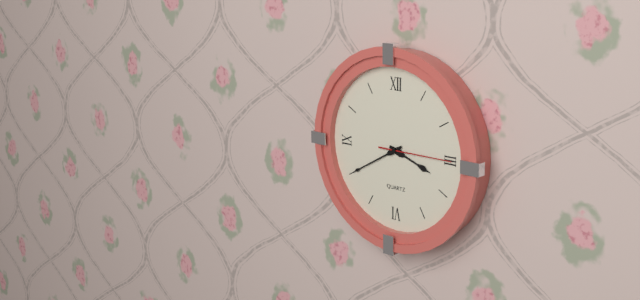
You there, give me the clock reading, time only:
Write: 3:40:15
